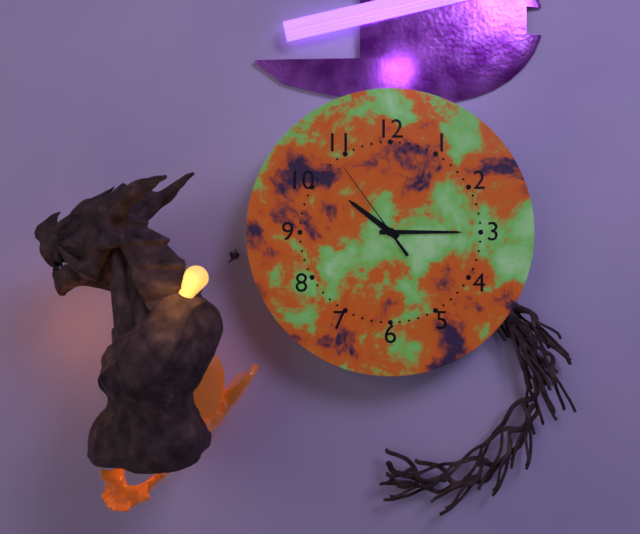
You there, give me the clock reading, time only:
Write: 10:15:54
